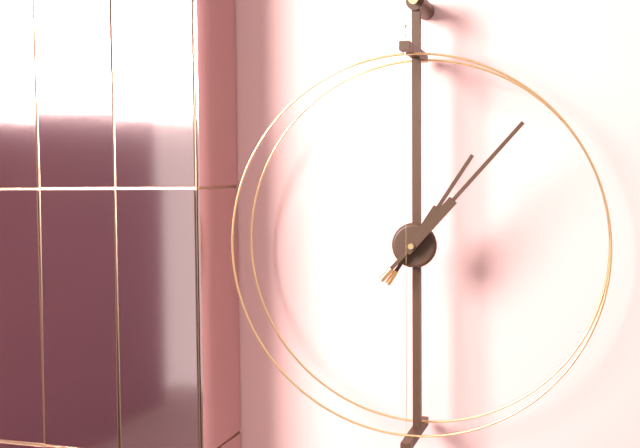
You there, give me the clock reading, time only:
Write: 1:07
